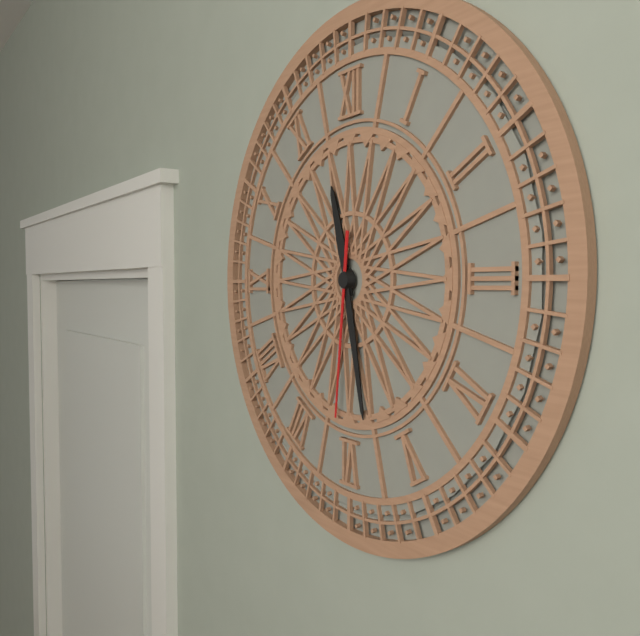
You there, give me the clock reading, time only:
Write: 11:28:31
